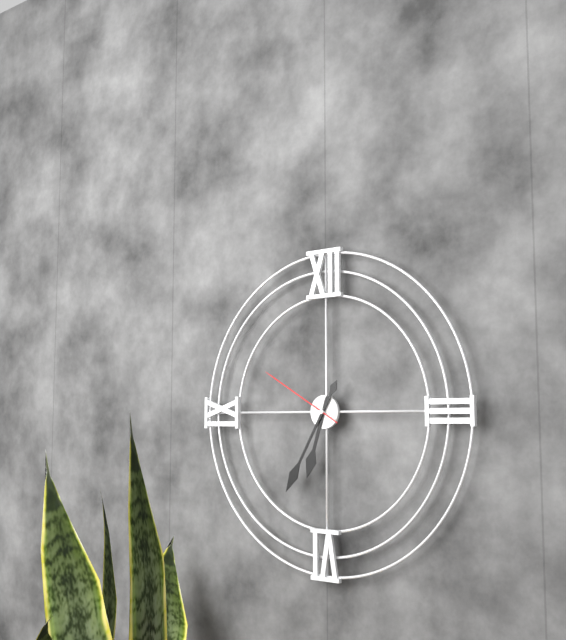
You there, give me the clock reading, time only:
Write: 6:35:50
